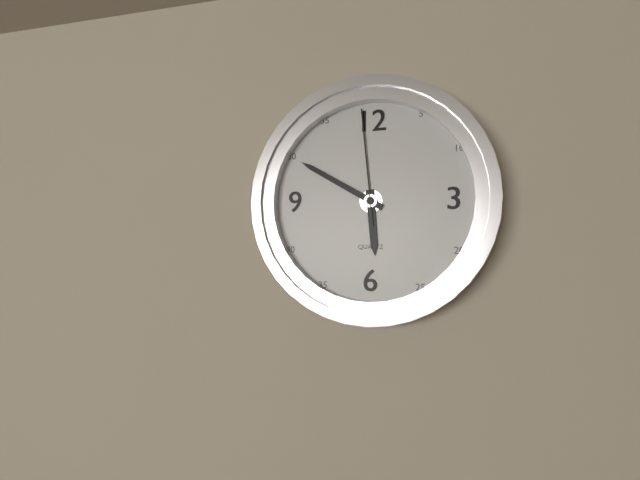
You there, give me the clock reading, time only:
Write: 5:50:59
